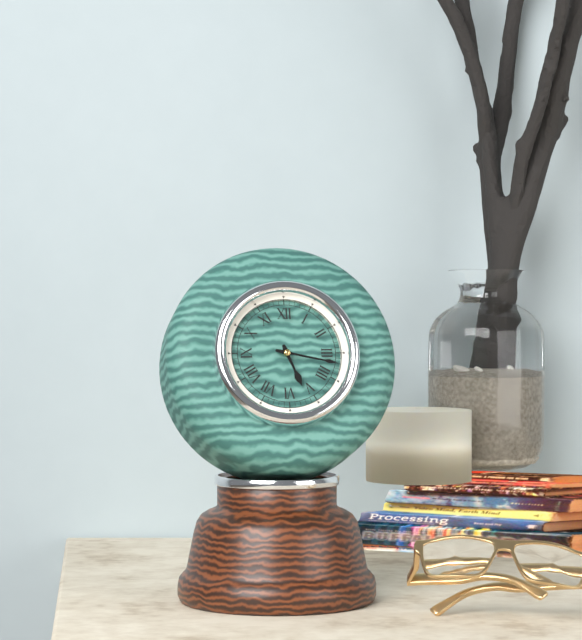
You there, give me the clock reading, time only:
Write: 5:17
